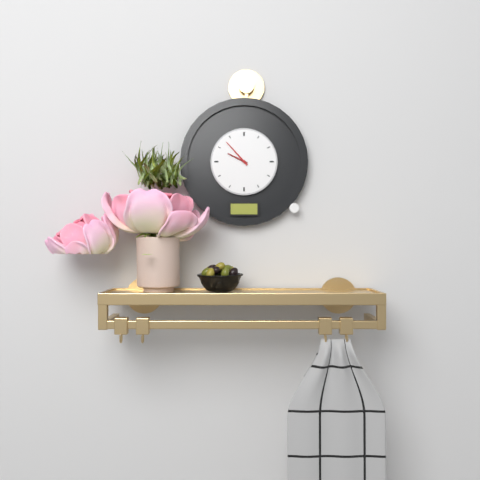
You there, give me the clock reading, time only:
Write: 9:53
